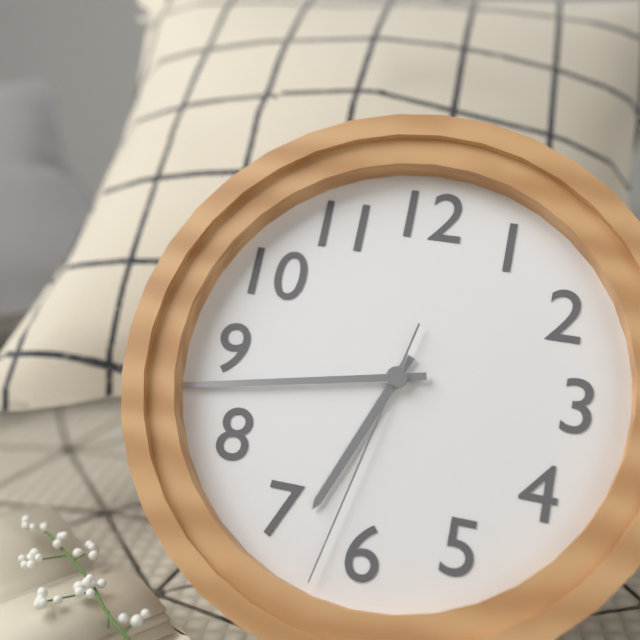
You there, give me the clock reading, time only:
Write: 6:43:32
